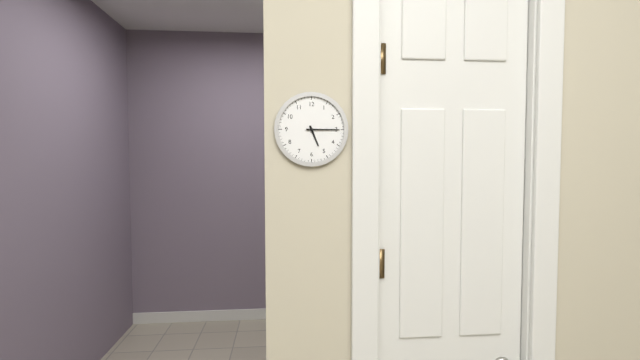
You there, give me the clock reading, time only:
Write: 5:15
